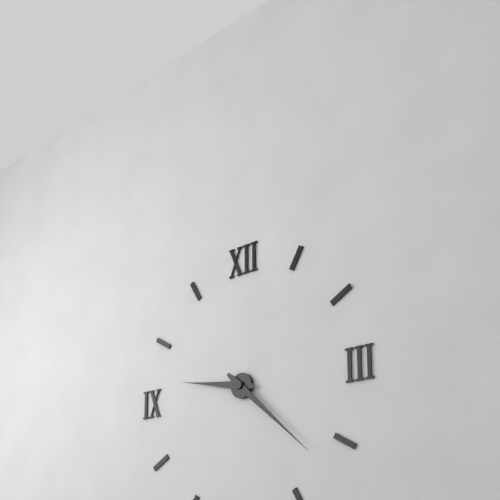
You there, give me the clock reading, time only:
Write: 9:22
